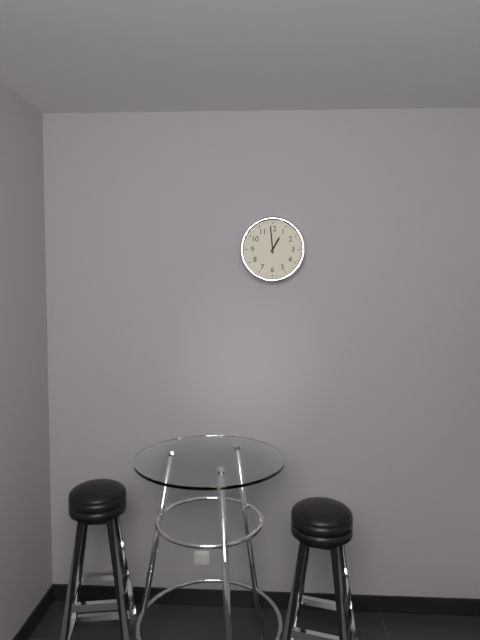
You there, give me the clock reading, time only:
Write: 12:59
